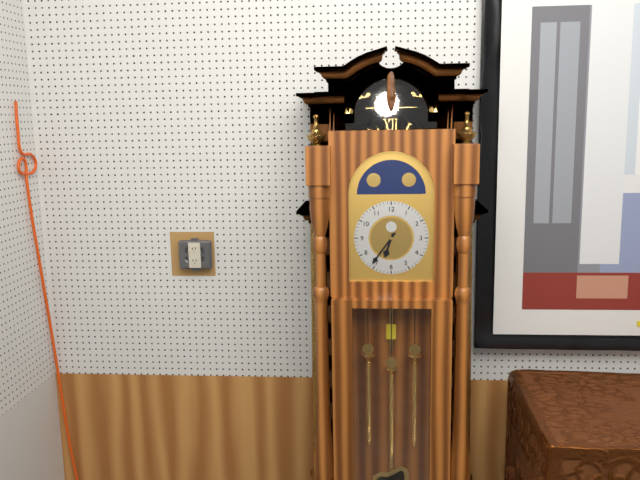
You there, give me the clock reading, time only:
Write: 6:36
